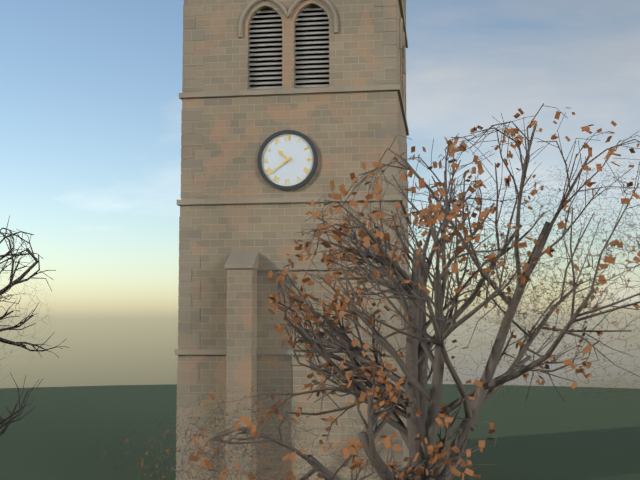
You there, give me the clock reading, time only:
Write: 10:39
